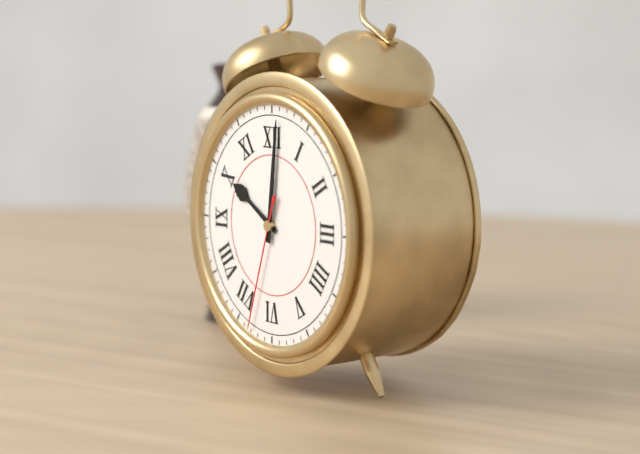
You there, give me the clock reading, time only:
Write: 10:01:33
